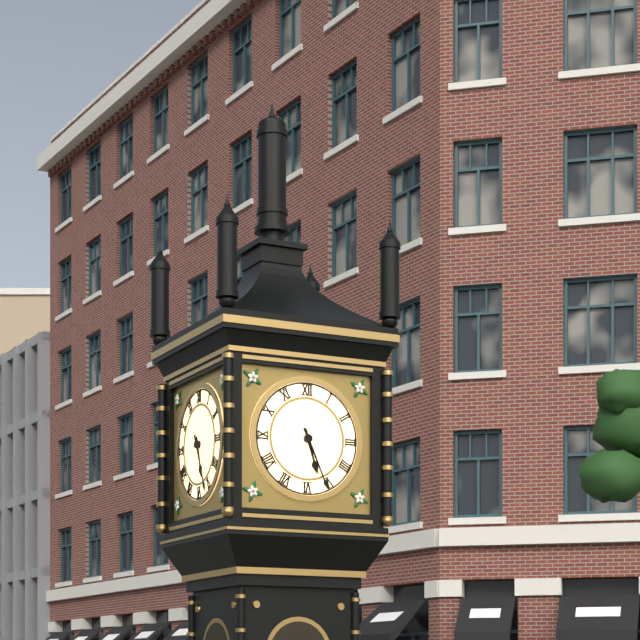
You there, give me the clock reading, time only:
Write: 5:26
